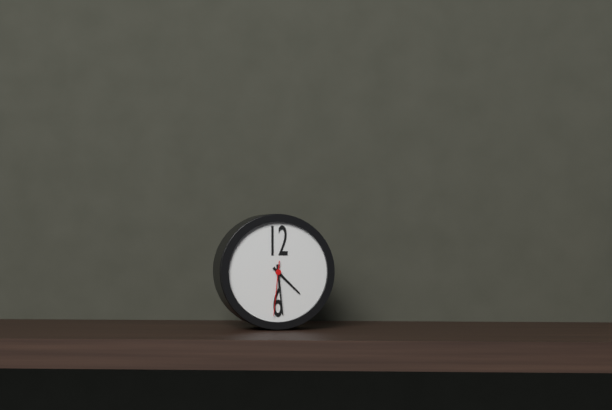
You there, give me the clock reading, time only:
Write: 4:29:31
